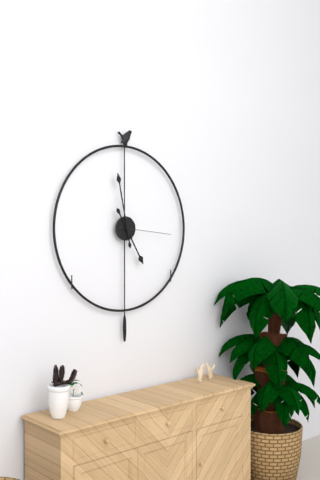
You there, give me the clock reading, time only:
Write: 4:58:16
